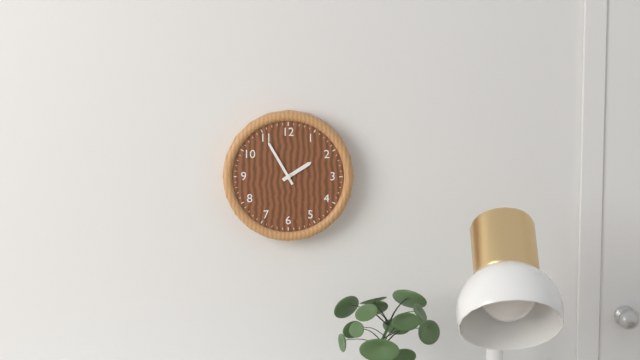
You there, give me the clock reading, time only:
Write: 1:55
